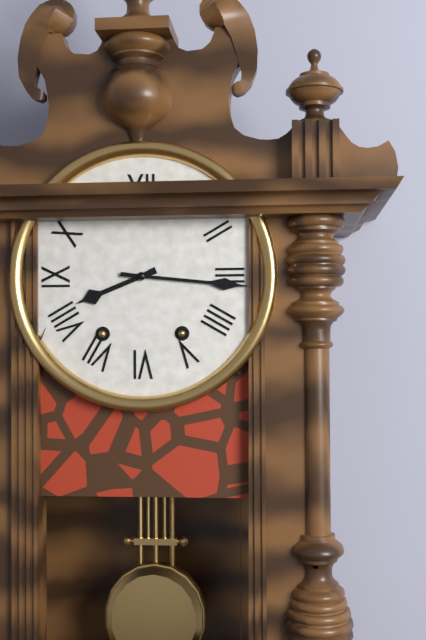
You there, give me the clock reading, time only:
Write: 8:16
